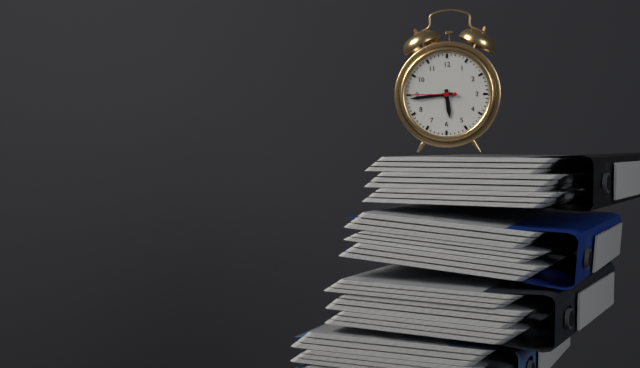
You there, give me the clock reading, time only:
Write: 5:44
